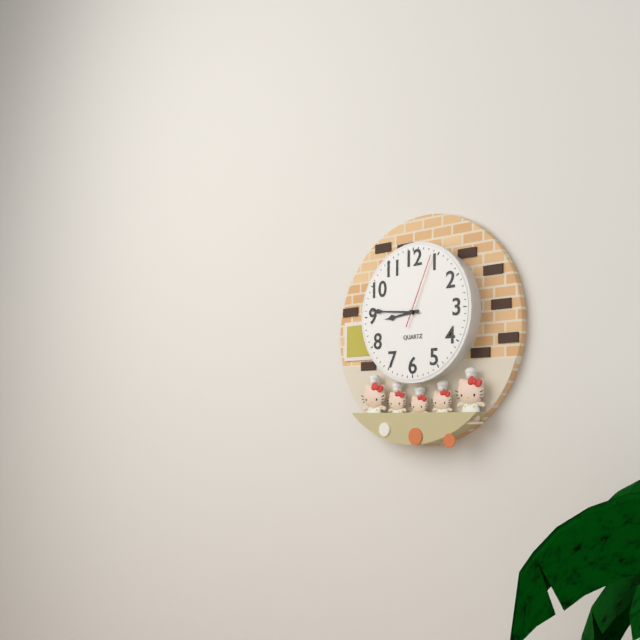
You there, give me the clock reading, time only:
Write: 8:46:04
